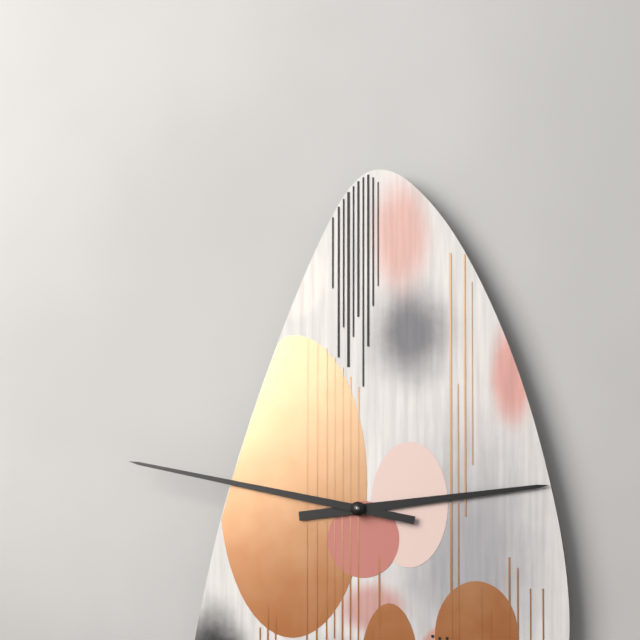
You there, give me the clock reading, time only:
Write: 2:47
